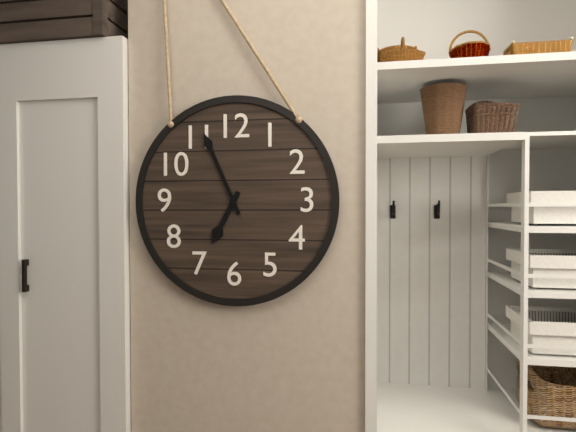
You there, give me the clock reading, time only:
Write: 6:56
